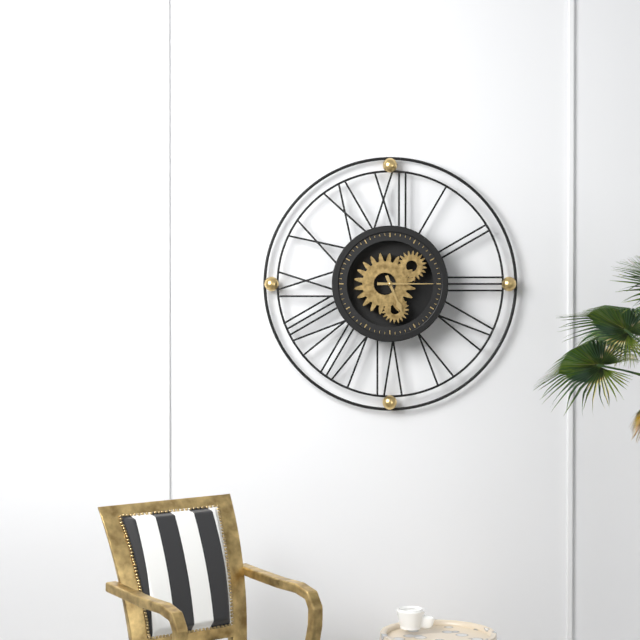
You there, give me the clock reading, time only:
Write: 5:15
